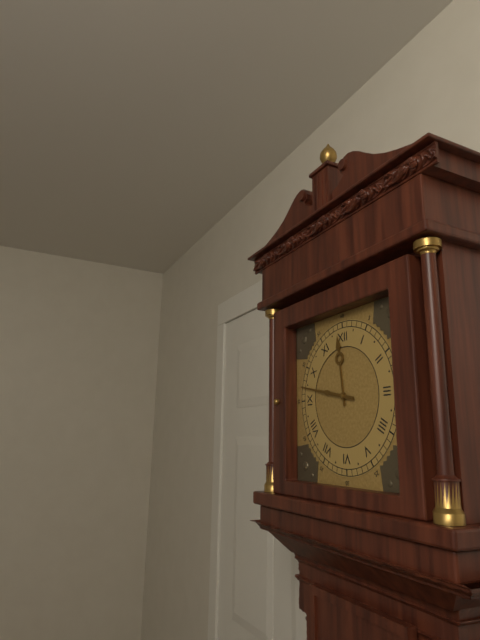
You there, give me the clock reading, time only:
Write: 11:47
